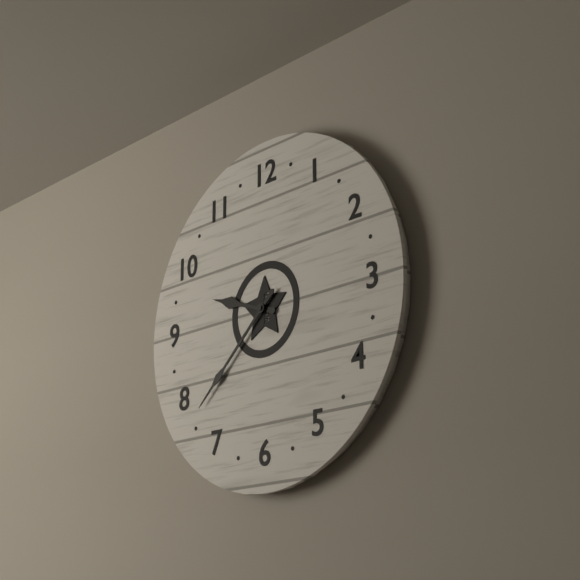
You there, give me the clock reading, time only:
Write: 9:38
